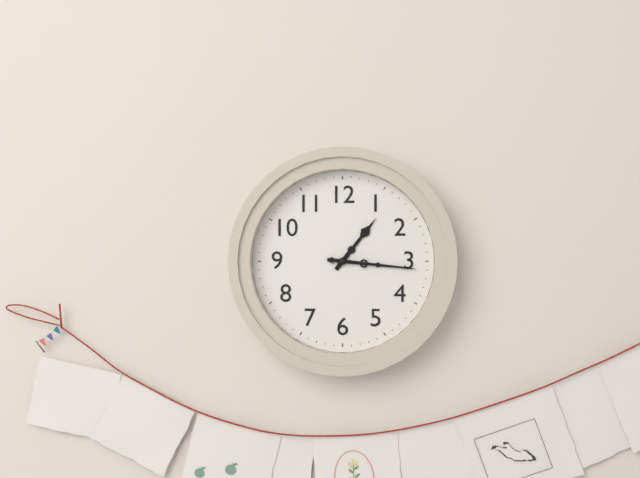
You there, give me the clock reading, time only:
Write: 1:16
